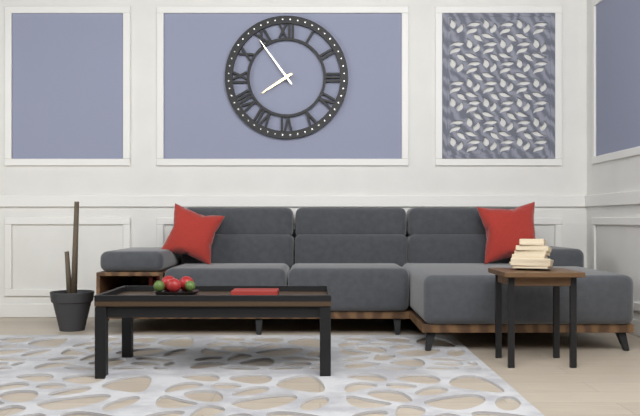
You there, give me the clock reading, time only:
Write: 7:54
